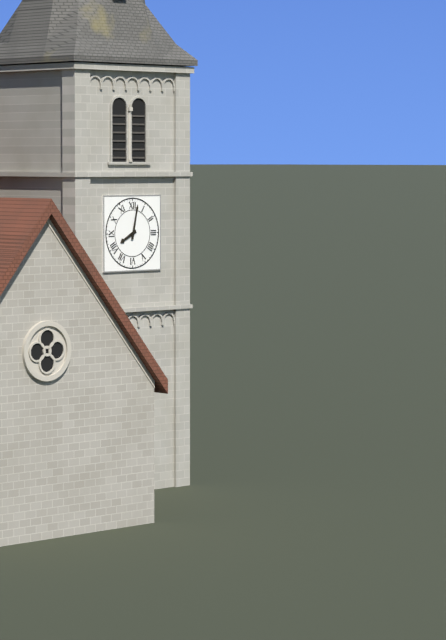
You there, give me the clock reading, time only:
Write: 8:02
